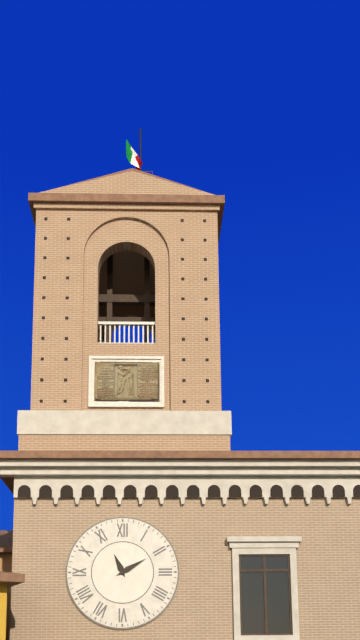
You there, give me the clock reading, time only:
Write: 11:10
